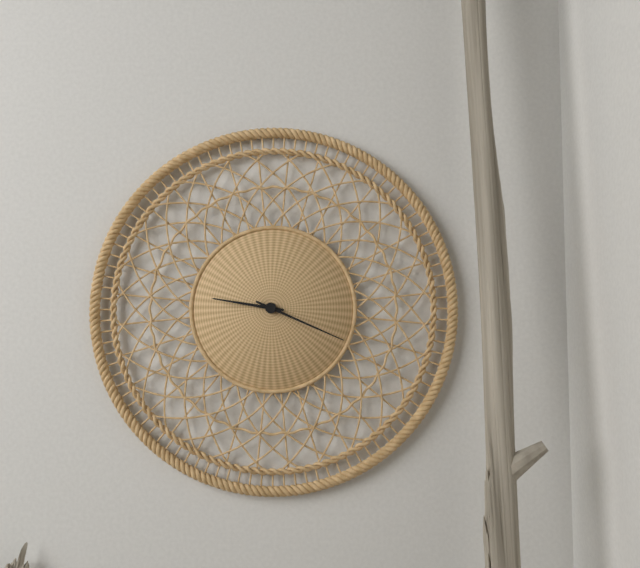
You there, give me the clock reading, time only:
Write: 9:19
